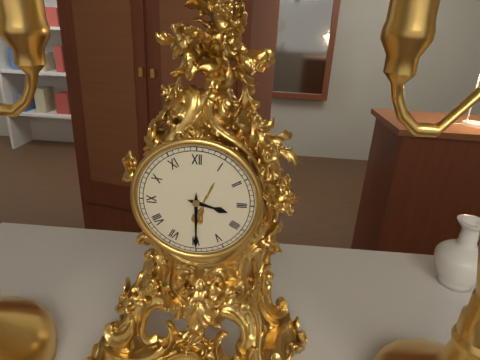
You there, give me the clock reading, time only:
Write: 3:30
